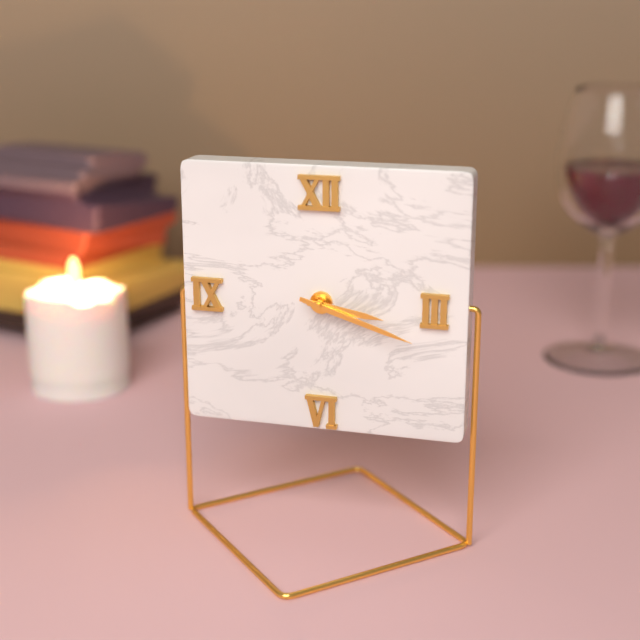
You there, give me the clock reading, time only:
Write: 3:18
